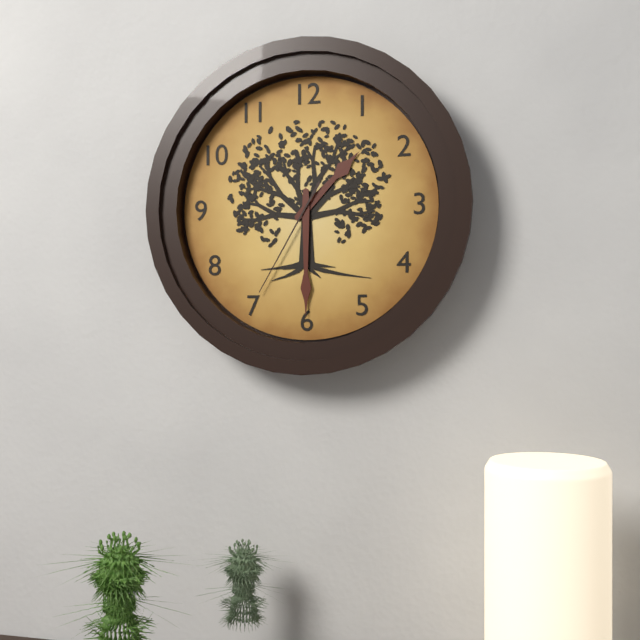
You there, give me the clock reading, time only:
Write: 1:30:35
